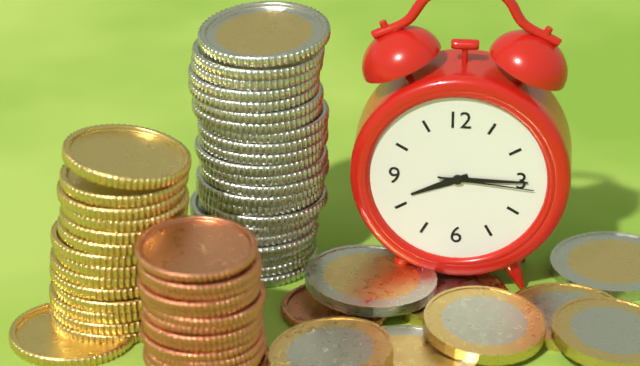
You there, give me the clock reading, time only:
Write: 8:15:16
